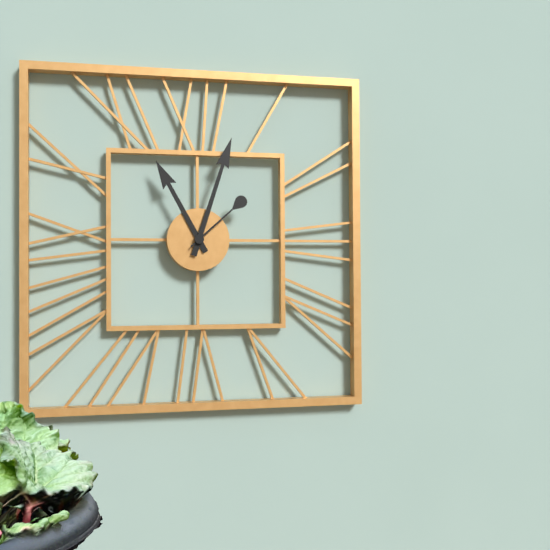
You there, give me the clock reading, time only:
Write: 11:03:08
